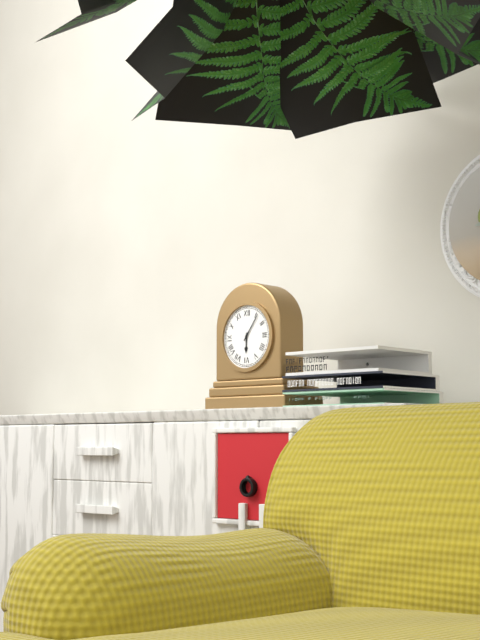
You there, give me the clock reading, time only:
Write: 6:06
